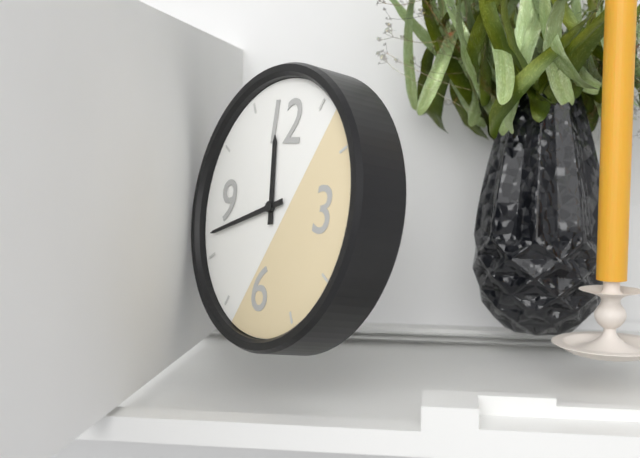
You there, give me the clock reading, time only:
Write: 11:42
